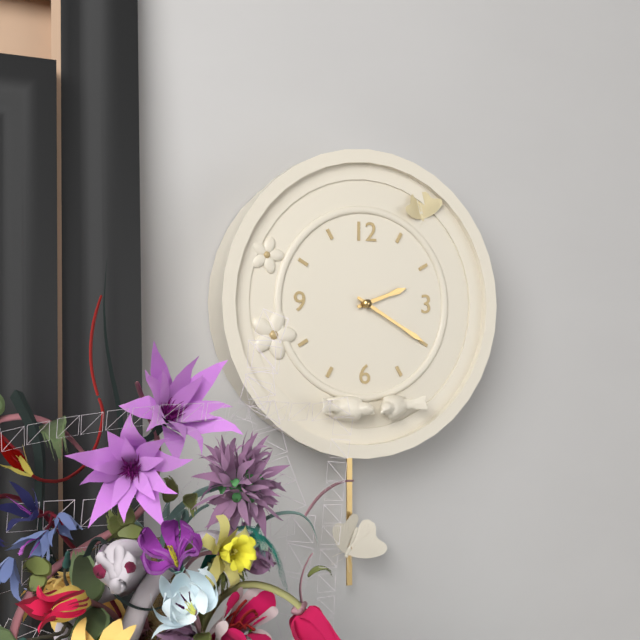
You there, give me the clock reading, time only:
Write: 2:20
